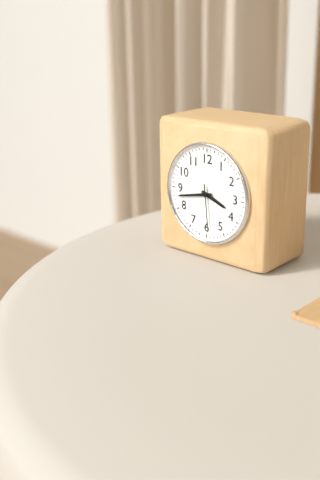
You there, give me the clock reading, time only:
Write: 3:43
